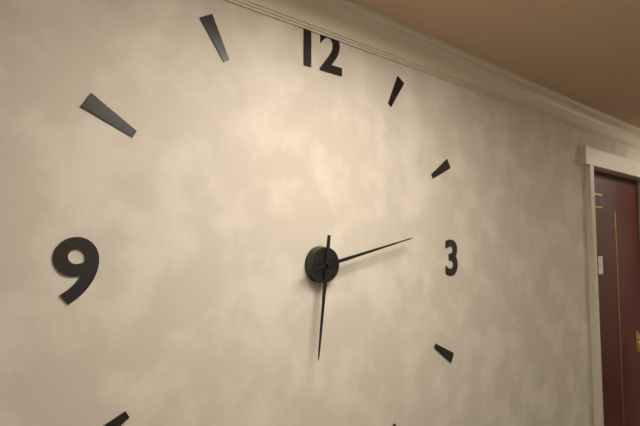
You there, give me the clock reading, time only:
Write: 6:13
